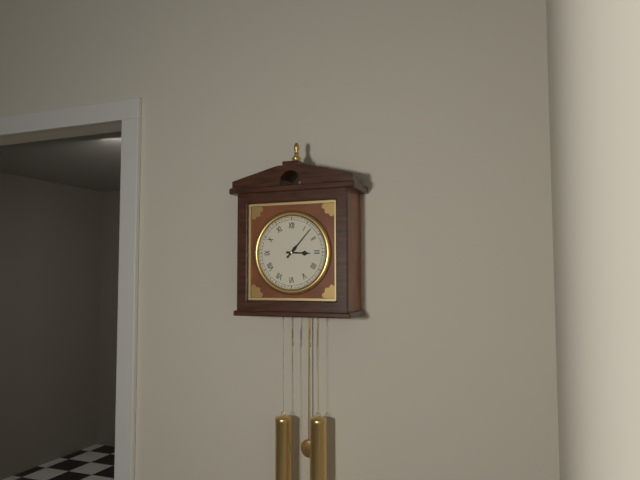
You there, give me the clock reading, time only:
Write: 3:07
